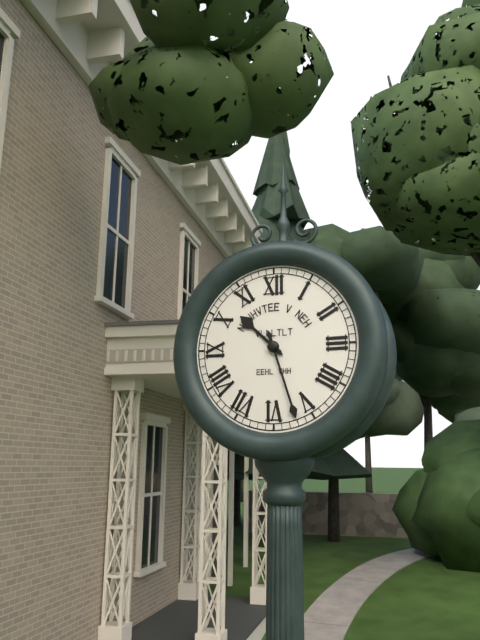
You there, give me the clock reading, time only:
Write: 10:27
